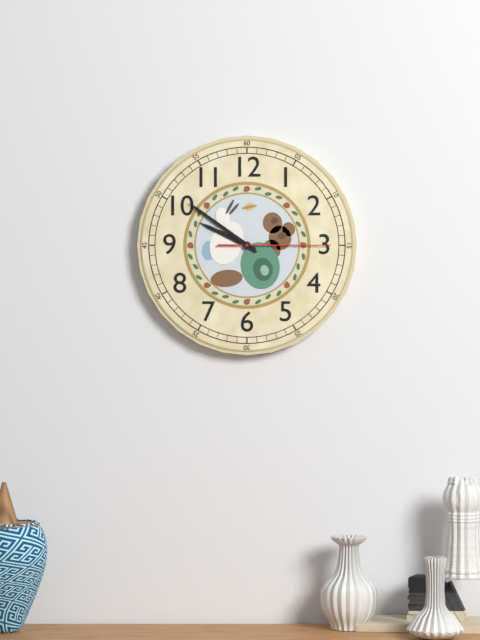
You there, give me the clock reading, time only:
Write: 9:51:15
